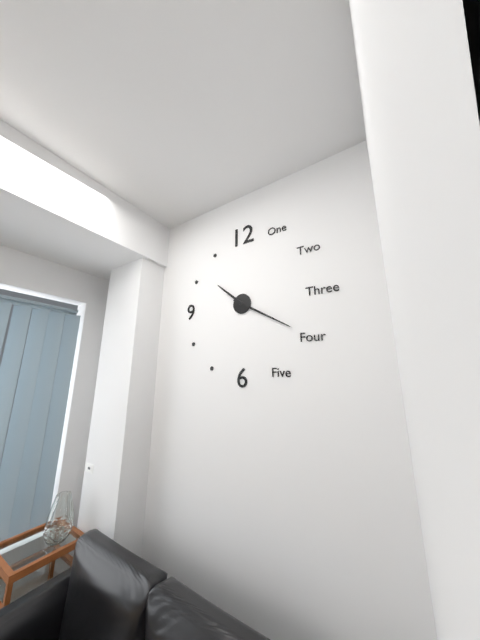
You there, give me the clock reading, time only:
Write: 10:20
